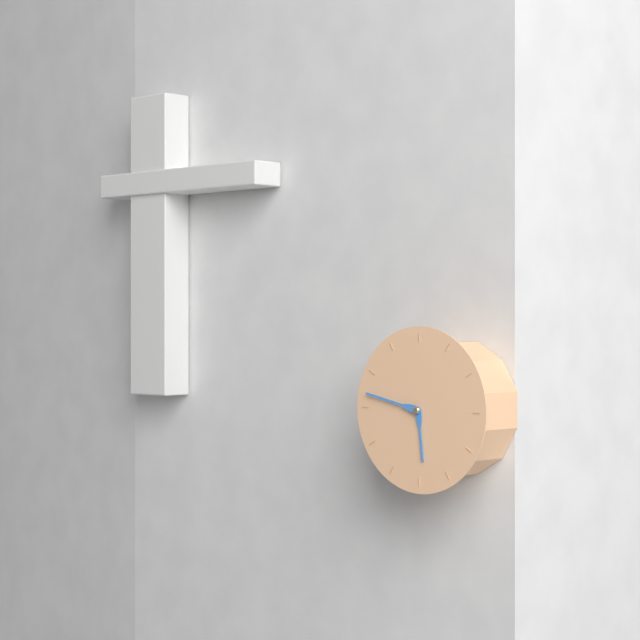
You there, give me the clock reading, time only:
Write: 5:47
